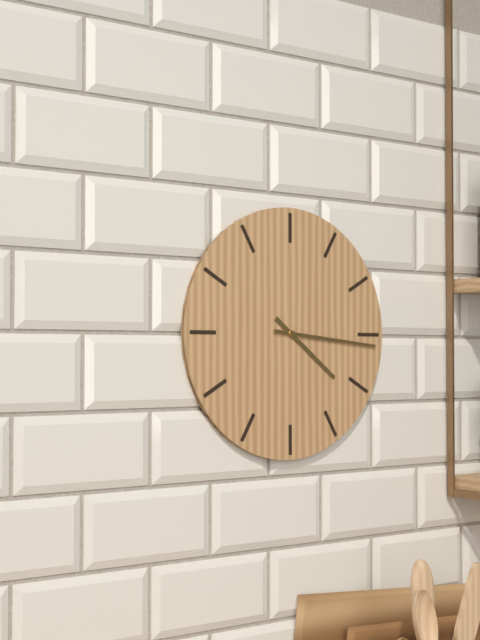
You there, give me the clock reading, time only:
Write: 4:16
